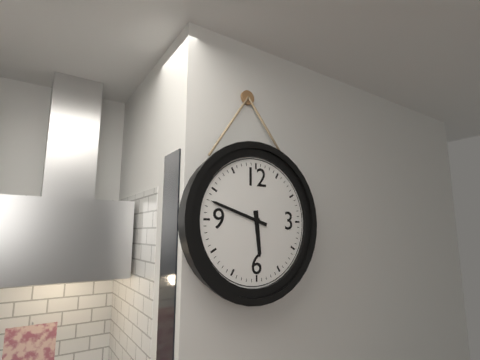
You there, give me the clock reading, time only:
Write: 5:48
